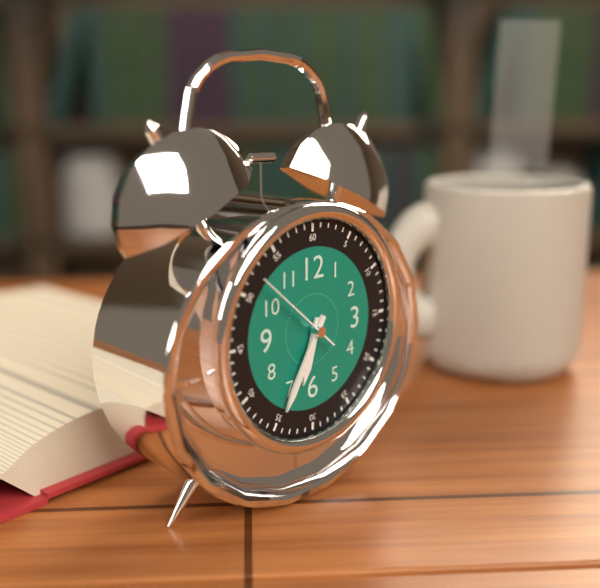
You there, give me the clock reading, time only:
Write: 6:35:52
